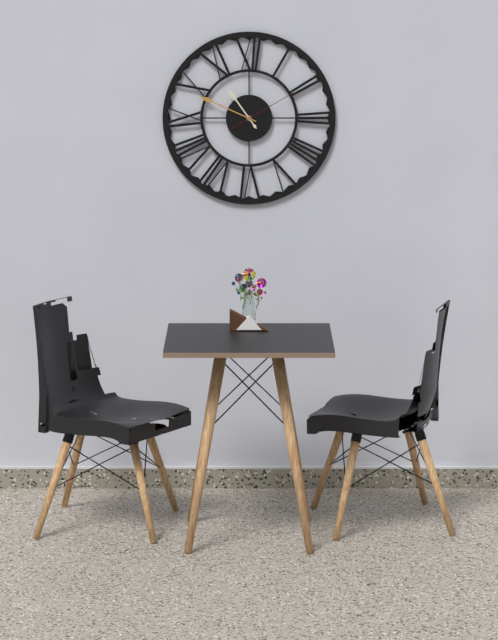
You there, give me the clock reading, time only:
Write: 10:49:10
